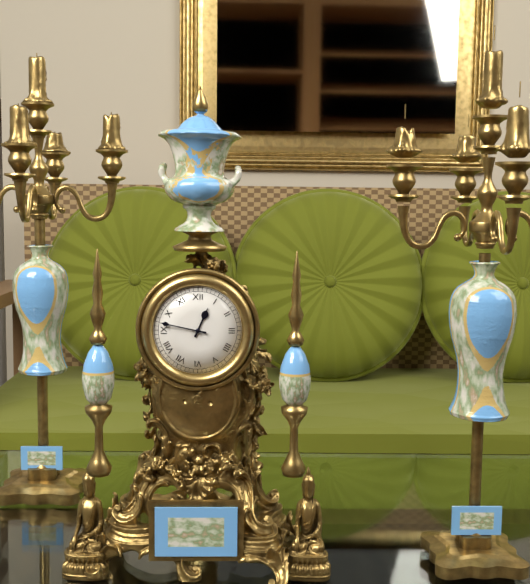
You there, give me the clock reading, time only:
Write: 12:47
